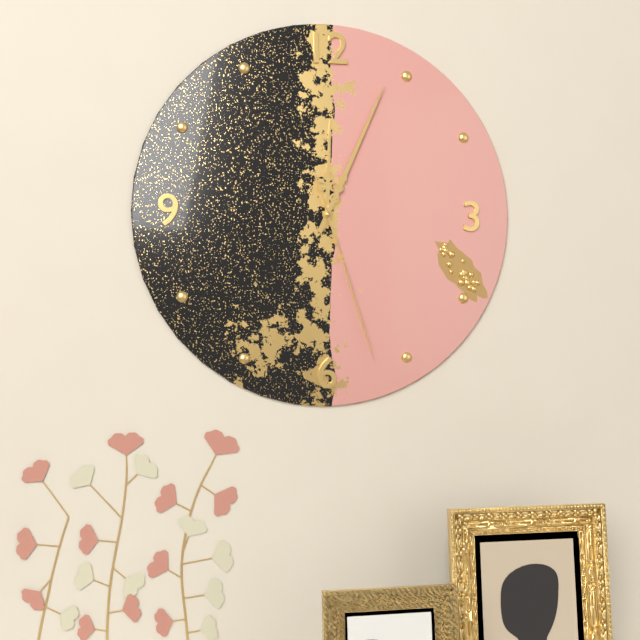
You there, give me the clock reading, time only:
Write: 12:04:27
